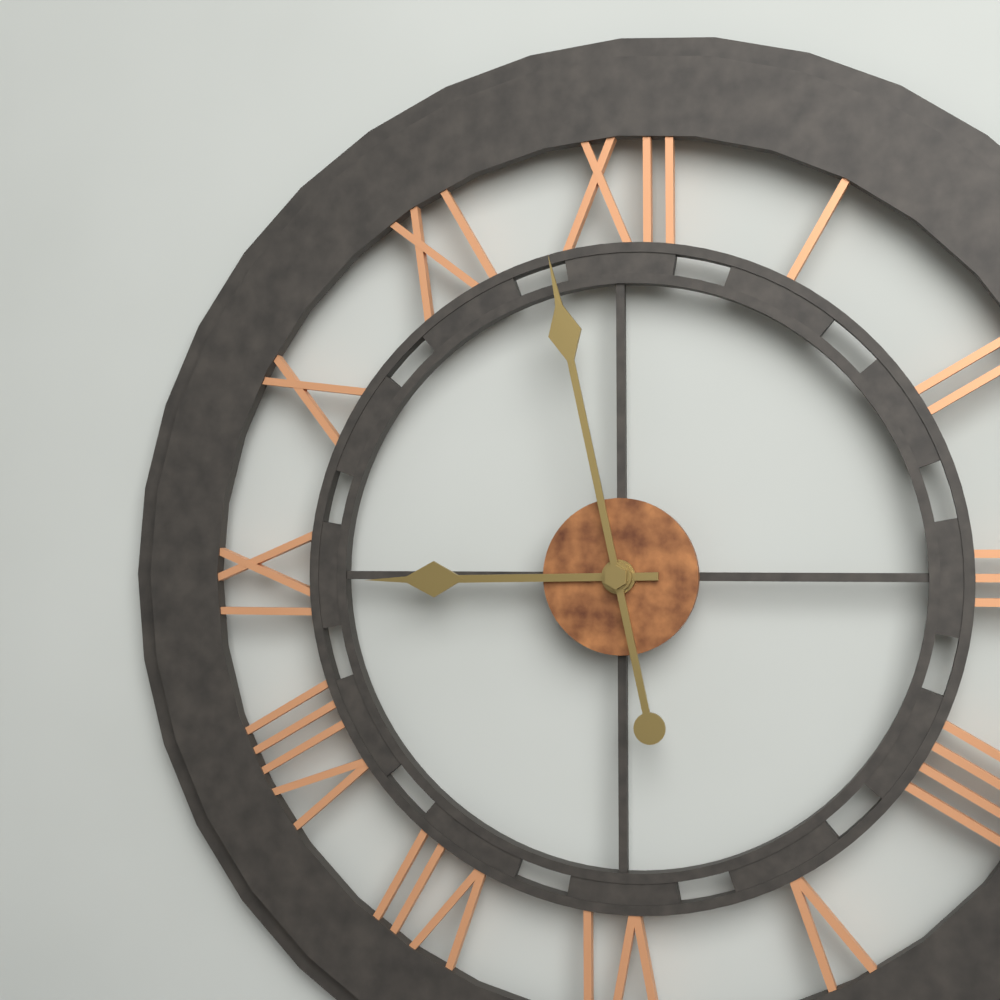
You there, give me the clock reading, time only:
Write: 8:58
